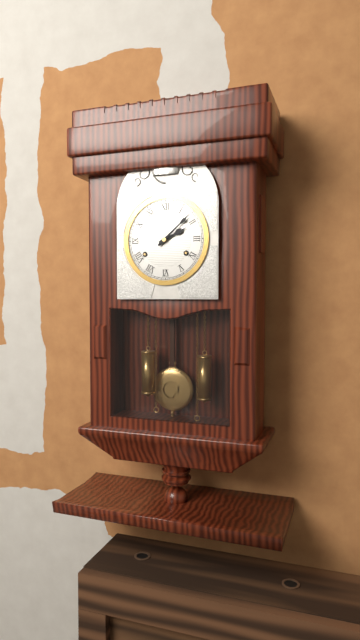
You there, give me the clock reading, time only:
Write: 2:08
